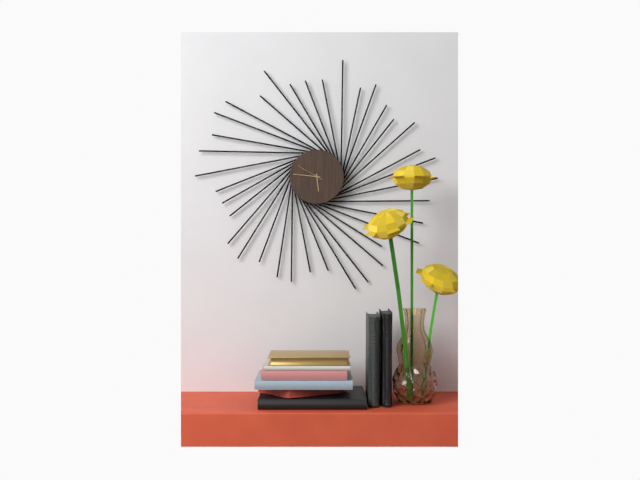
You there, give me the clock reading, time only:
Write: 5:46
